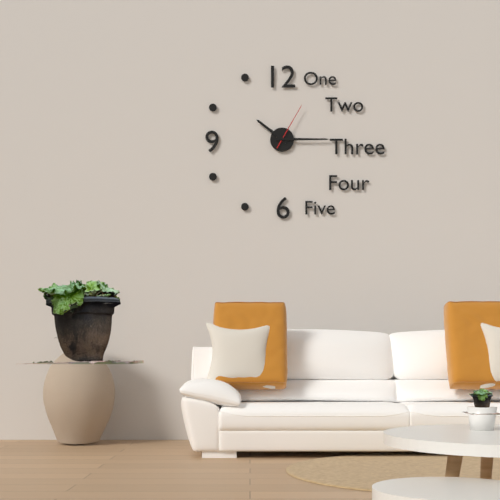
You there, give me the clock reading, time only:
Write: 10:15:05
